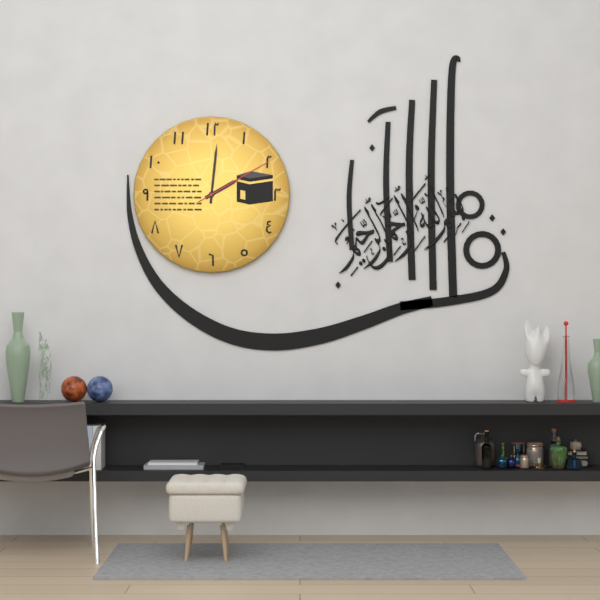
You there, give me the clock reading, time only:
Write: 2:01:10
